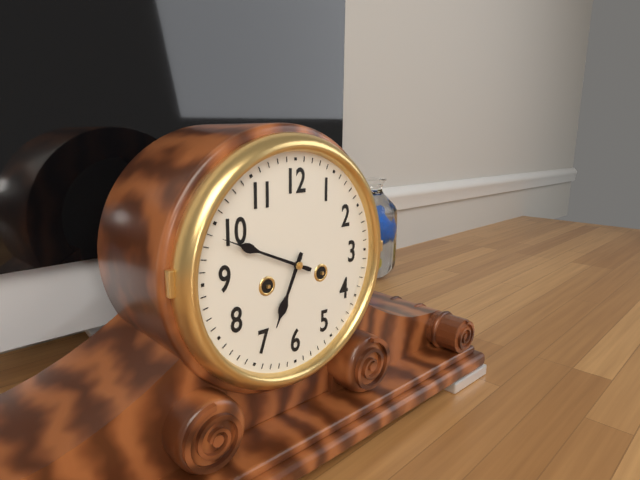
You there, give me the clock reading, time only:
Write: 6:49
